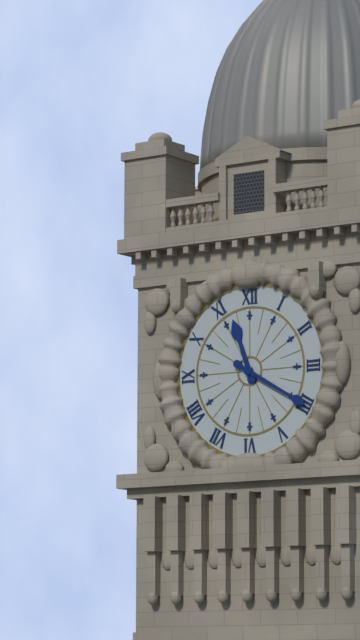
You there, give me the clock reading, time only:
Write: 11:20
